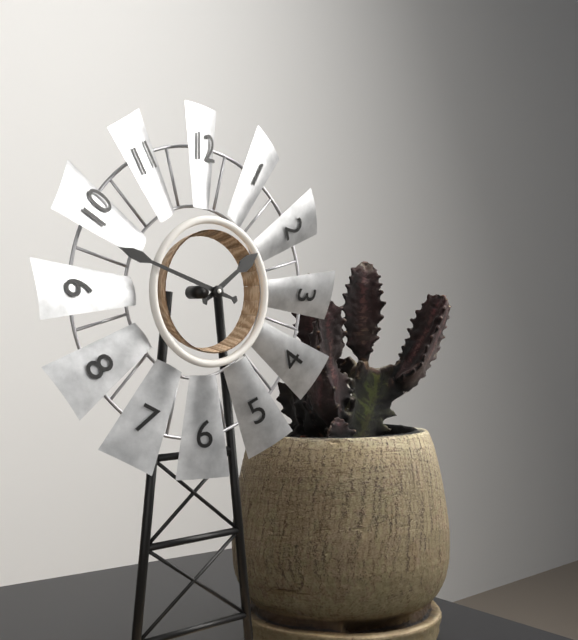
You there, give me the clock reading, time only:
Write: 1:48
